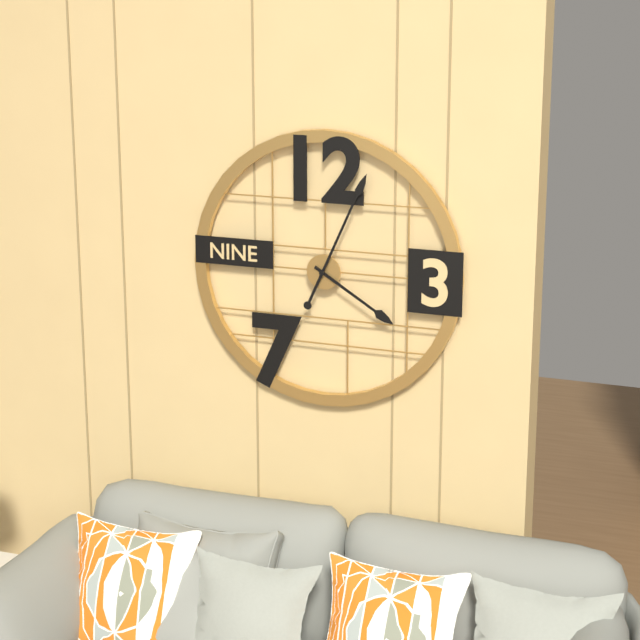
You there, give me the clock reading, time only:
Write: 4:04
